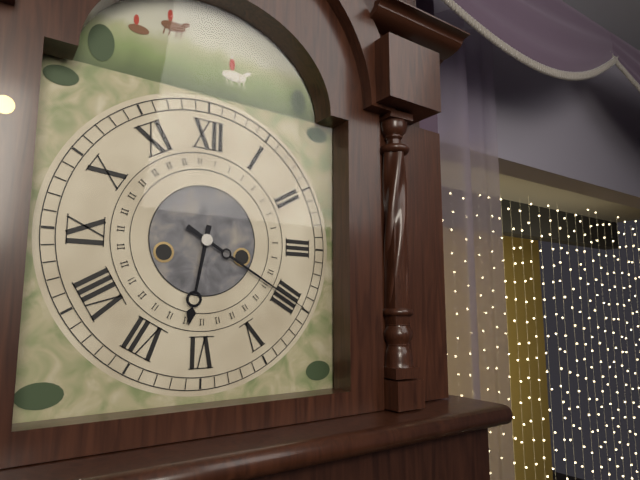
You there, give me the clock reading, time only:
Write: 6:20
